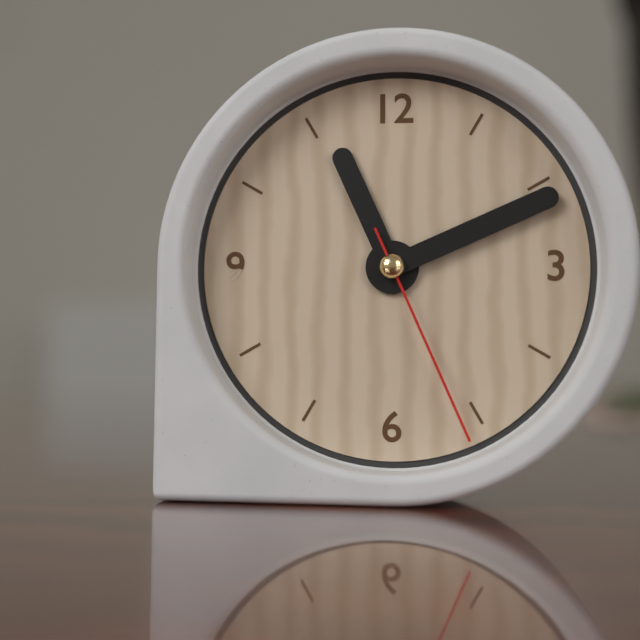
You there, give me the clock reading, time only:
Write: 11:11:26
